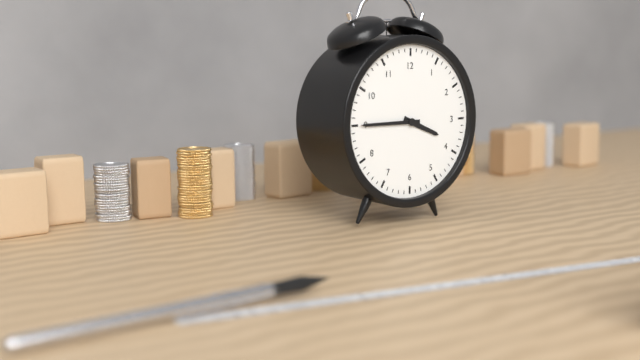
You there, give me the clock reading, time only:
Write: 3:45
